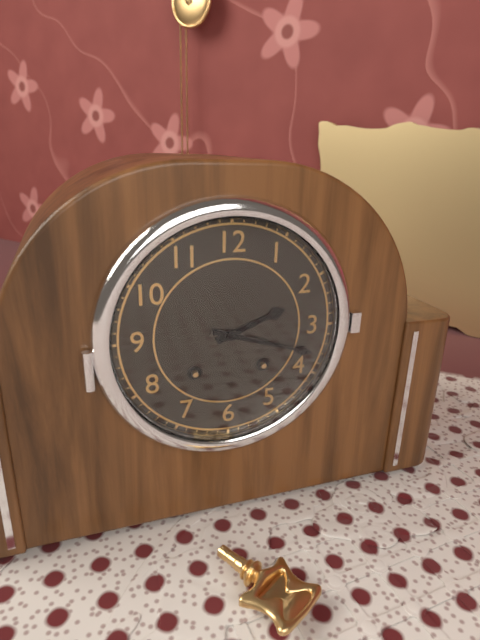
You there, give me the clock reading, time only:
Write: 2:18
